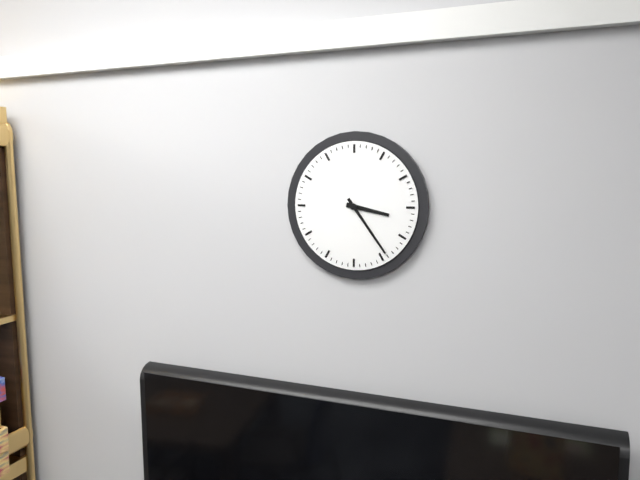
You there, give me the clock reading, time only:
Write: 3:24
